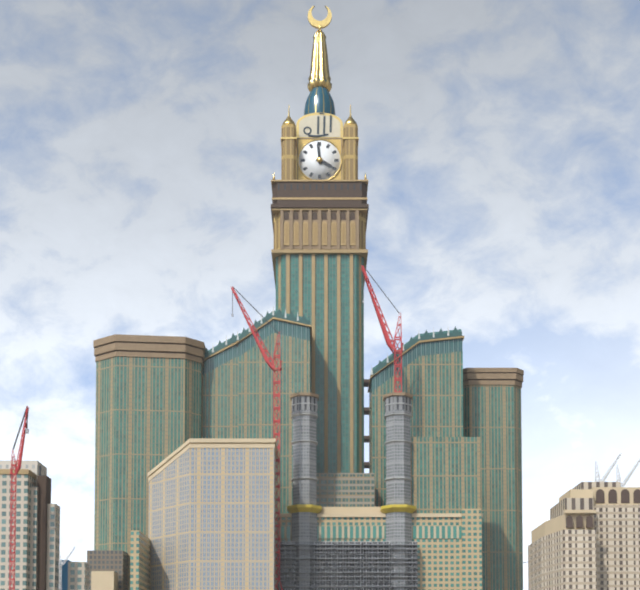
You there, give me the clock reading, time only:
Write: 3:59
